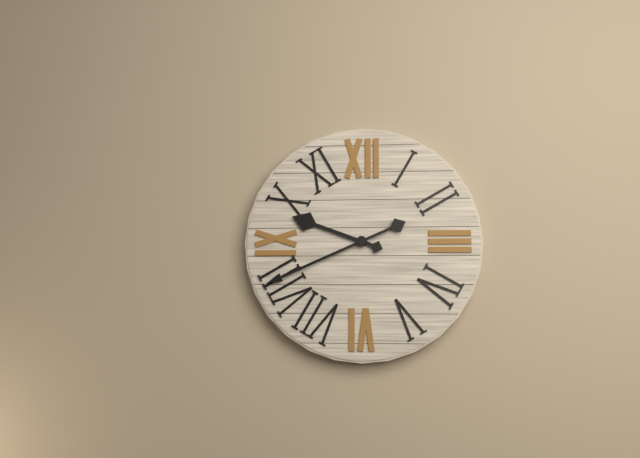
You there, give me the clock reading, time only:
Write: 9:41
